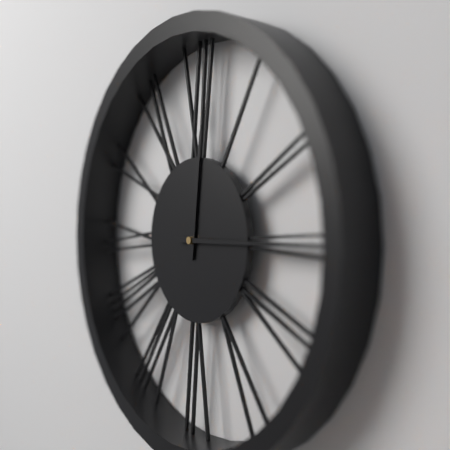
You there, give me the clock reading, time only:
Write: 12:15
